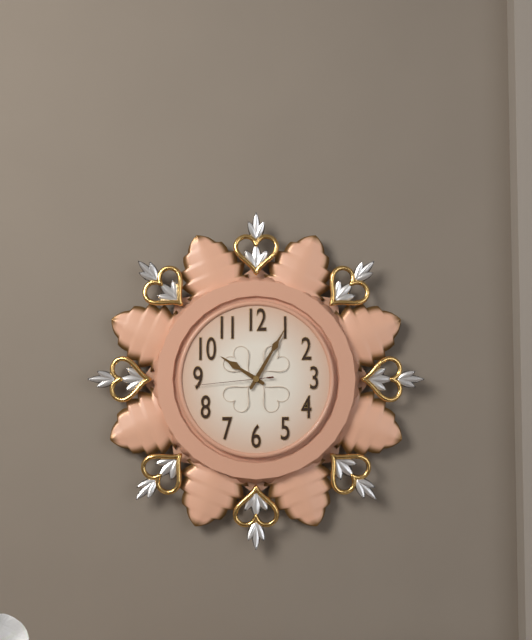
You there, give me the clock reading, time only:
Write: 10:05:44
